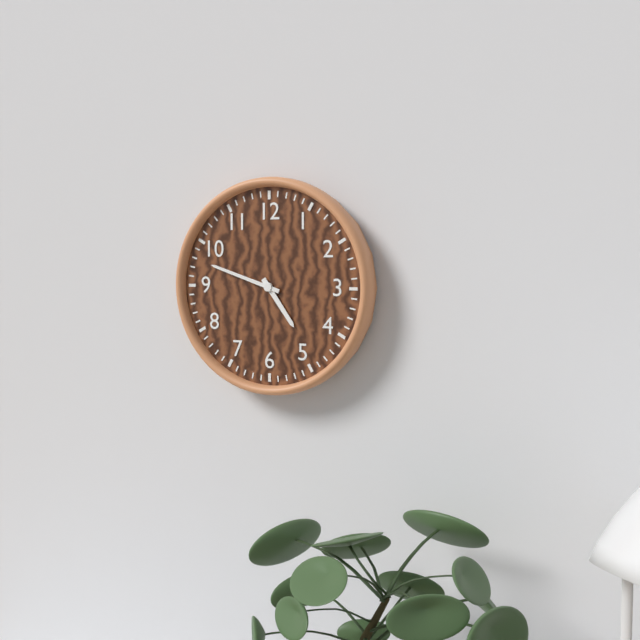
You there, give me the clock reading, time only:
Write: 4:48
